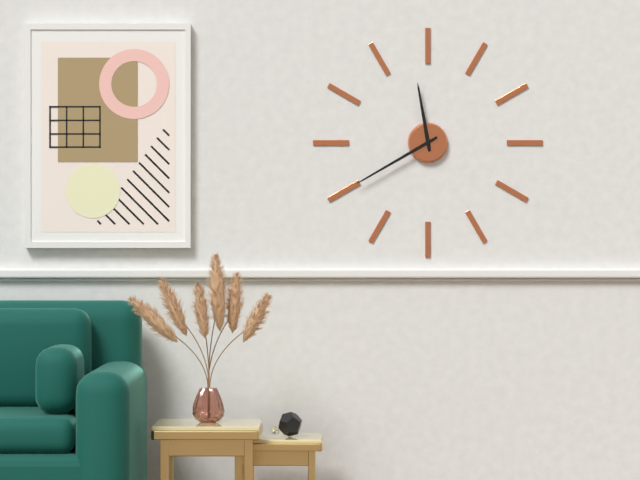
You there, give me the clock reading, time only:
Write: 11:40
